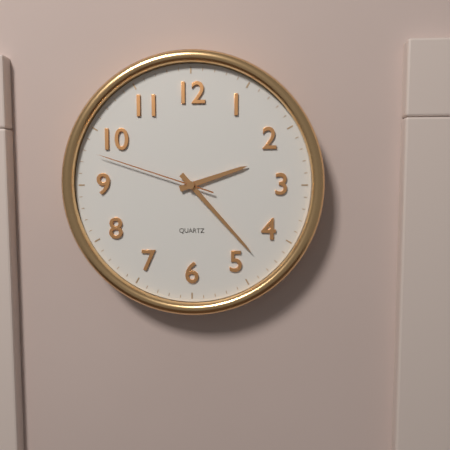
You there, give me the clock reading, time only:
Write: 2:23:48
